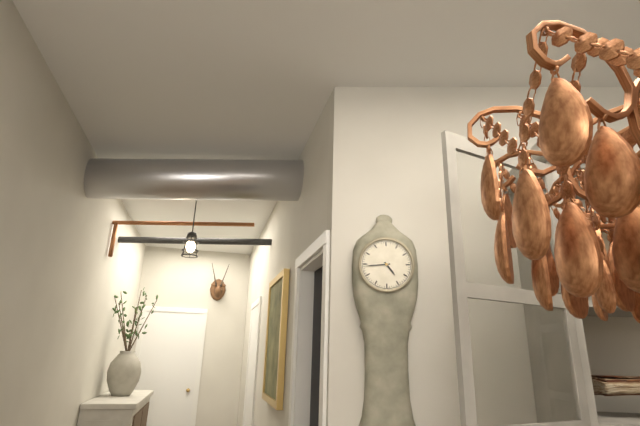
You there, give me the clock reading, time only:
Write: 4:44
